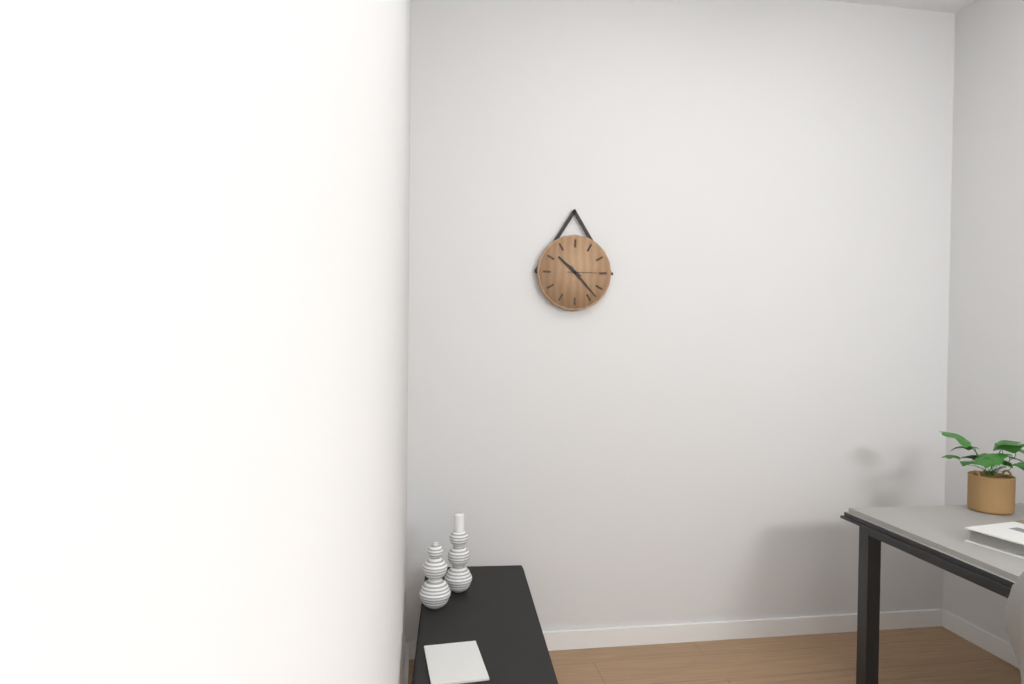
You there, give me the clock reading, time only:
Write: 10:23
